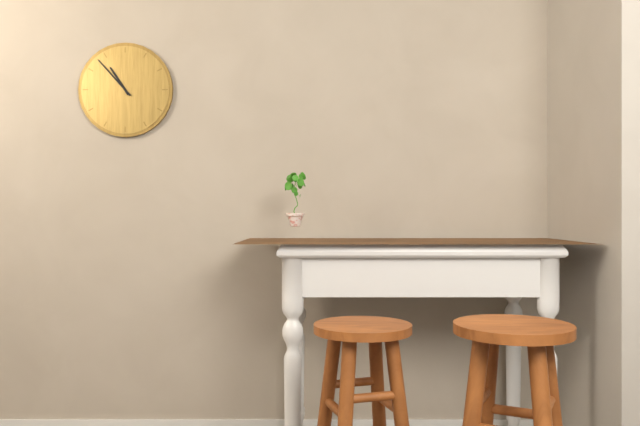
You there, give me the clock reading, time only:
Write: 10:53
